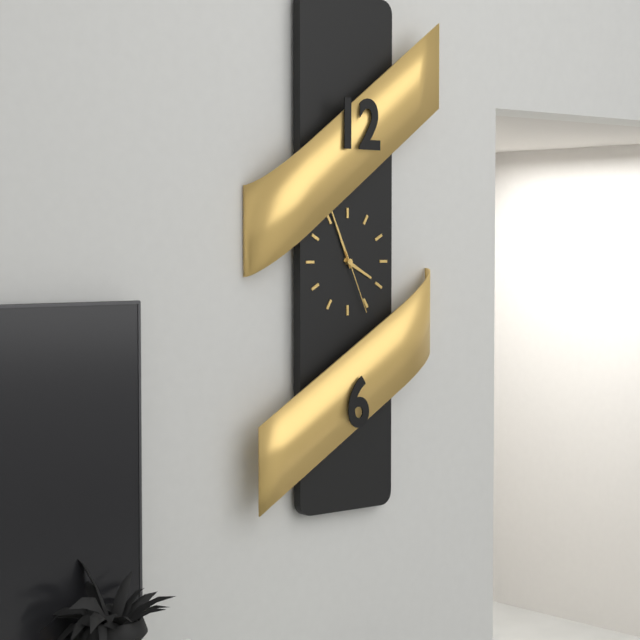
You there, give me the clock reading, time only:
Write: 3:56:26
